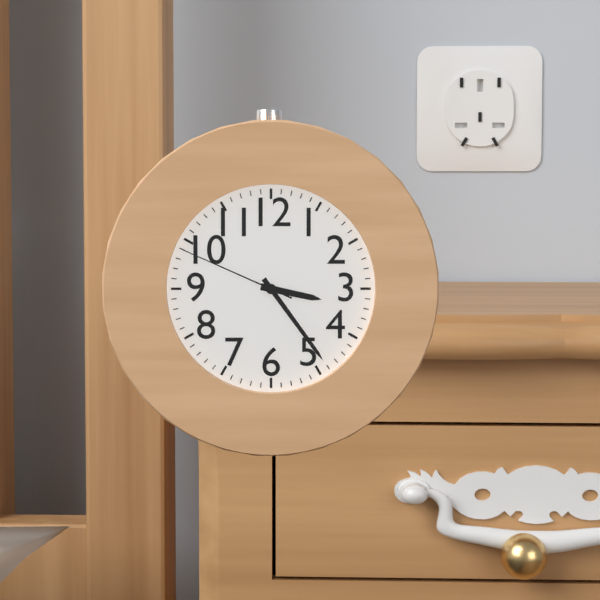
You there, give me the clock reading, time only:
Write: 3:24:49
